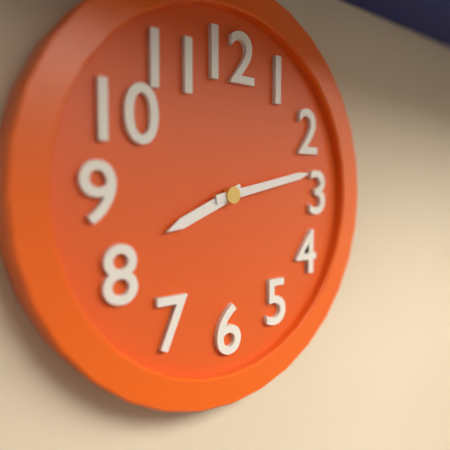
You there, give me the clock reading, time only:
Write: 8:13
